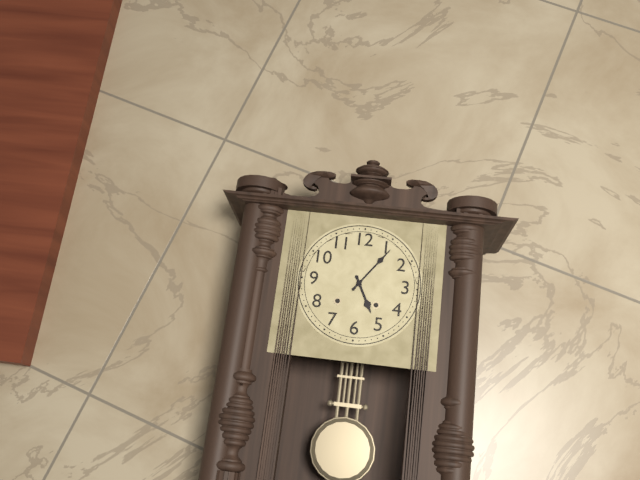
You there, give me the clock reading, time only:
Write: 5:06
